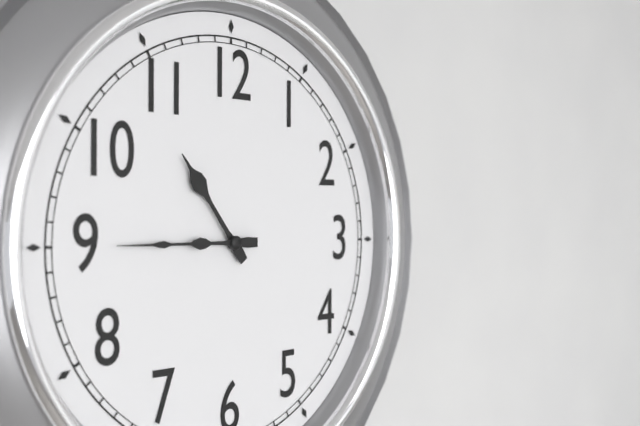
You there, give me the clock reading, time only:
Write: 10:45
